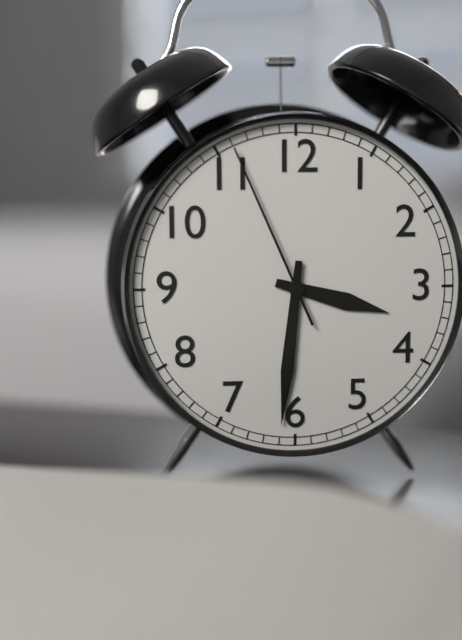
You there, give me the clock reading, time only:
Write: 3:31:56
